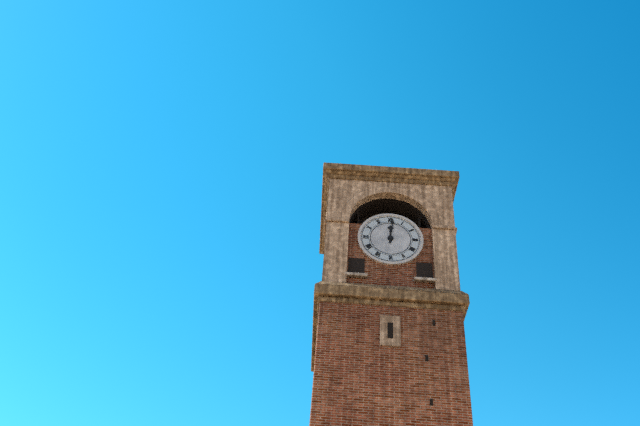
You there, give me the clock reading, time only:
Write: 12:01
